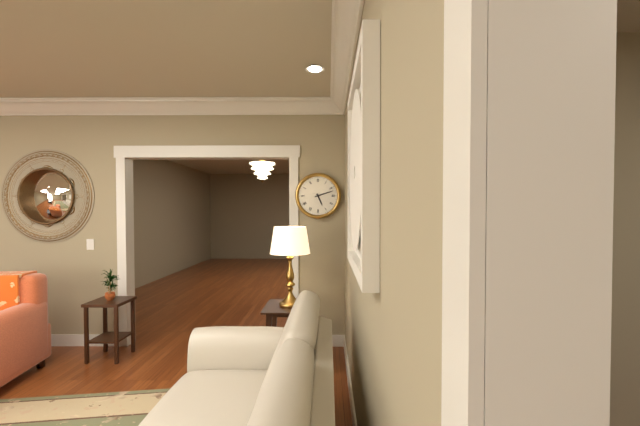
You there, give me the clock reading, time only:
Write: 5:12
